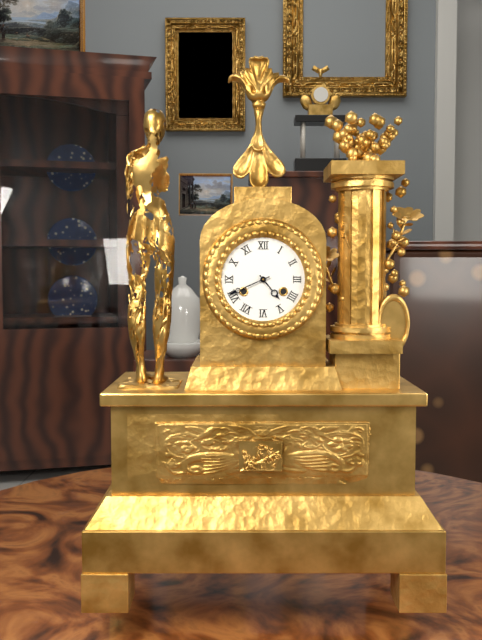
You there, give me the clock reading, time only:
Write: 4:41
